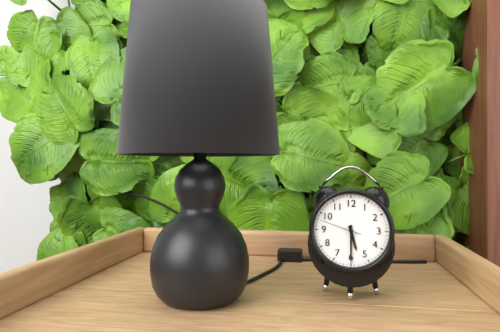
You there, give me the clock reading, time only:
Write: 5:30
